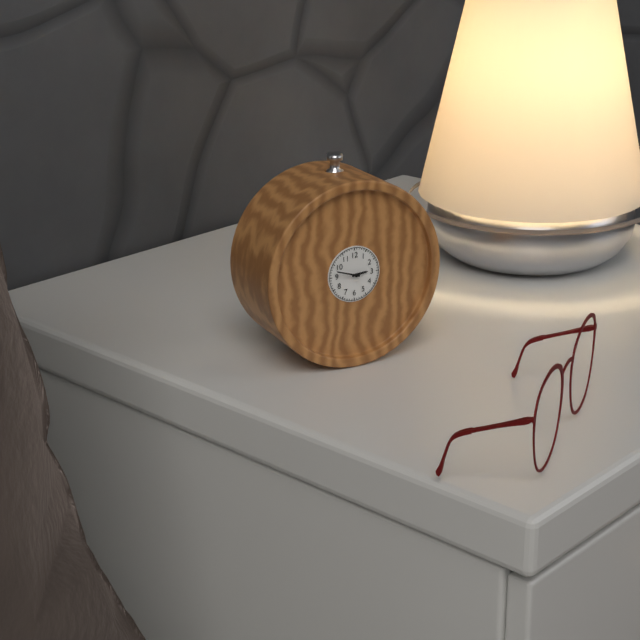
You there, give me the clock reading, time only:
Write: 2:48
